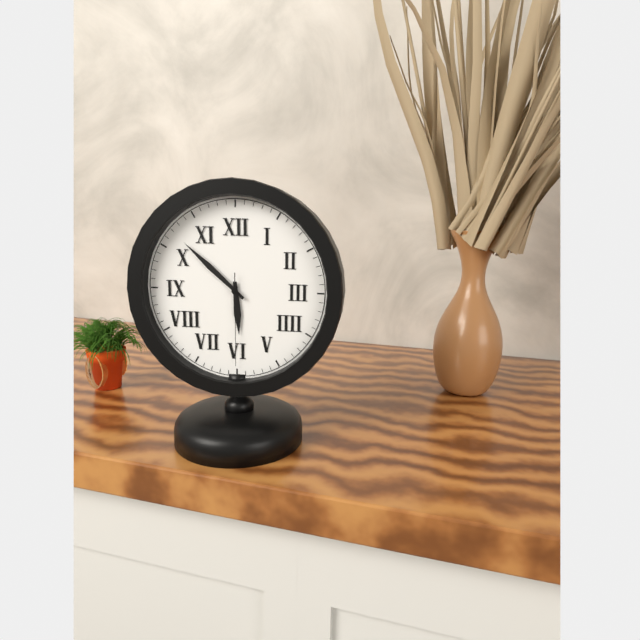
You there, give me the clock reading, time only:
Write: 5:52:30
